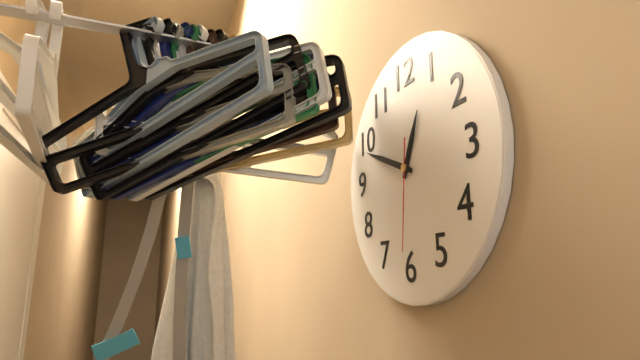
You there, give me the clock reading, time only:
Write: 12:49:31
